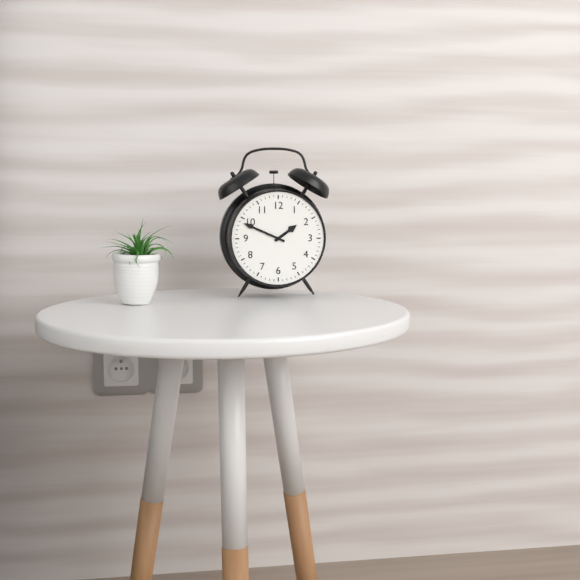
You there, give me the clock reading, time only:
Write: 1:49
